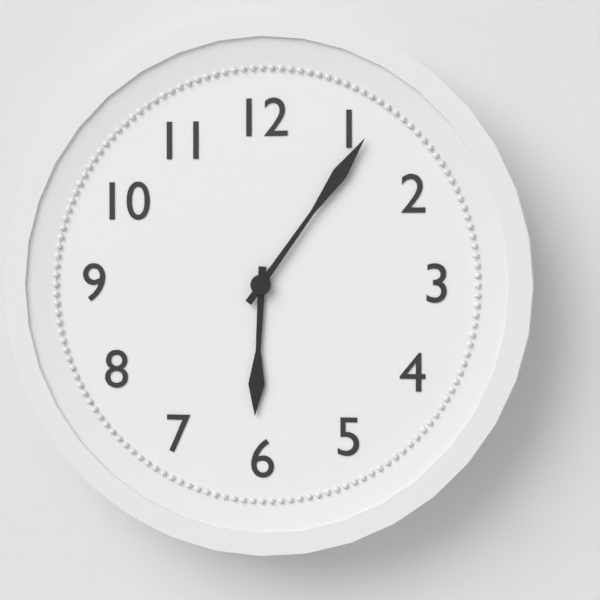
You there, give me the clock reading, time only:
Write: 6:06
